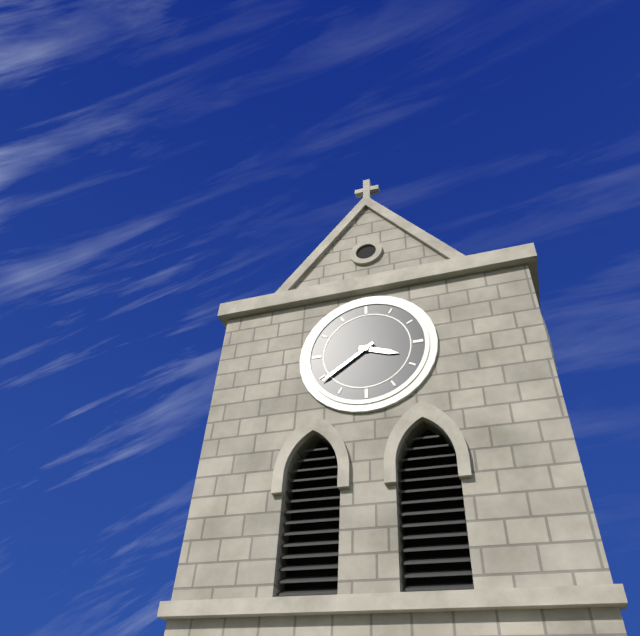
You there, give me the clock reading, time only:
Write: 3:39
